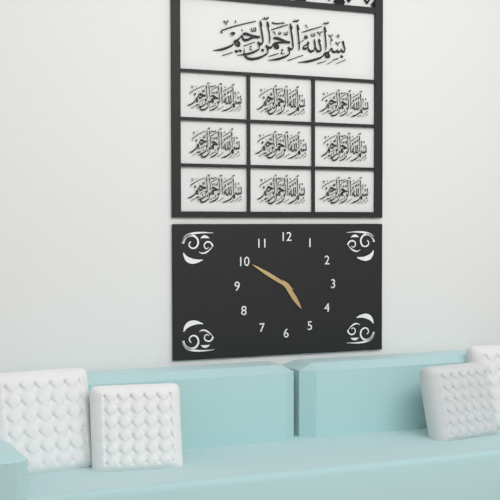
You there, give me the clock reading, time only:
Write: 4:50
